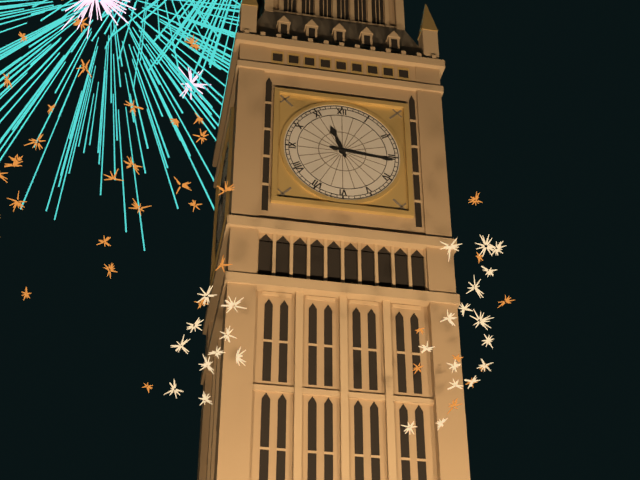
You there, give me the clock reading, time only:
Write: 11:16
